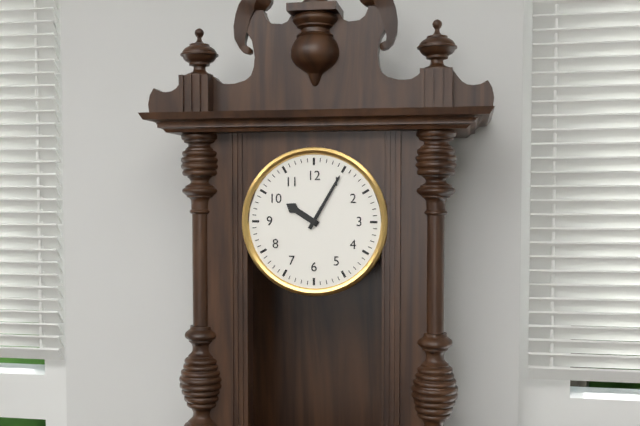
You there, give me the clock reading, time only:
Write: 10:05
